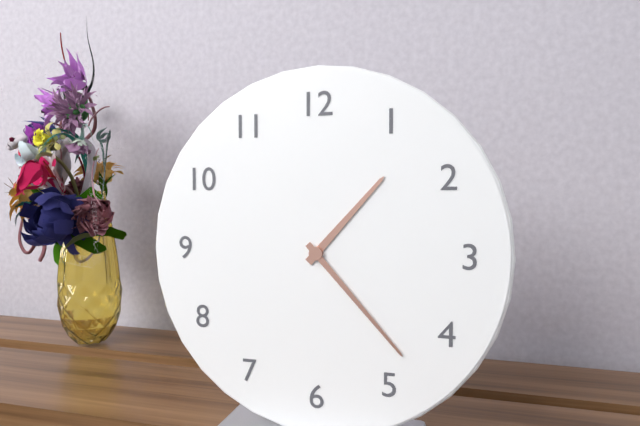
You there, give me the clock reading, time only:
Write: 1:23
